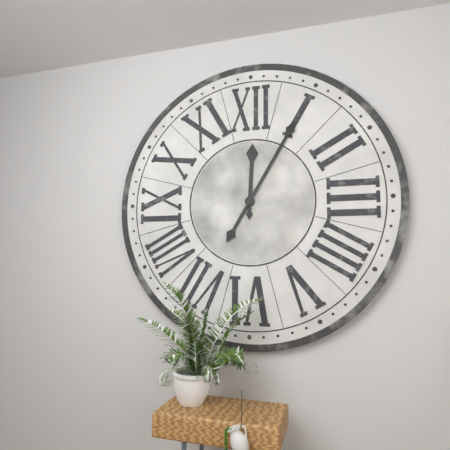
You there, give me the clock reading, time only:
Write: 12:05
